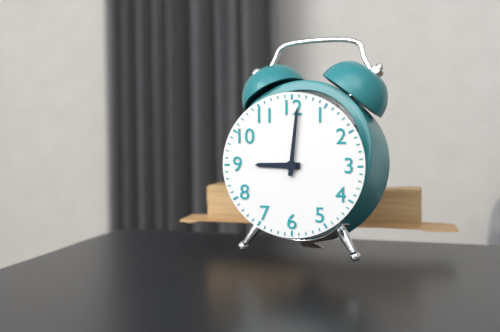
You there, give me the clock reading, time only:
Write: 9:01
